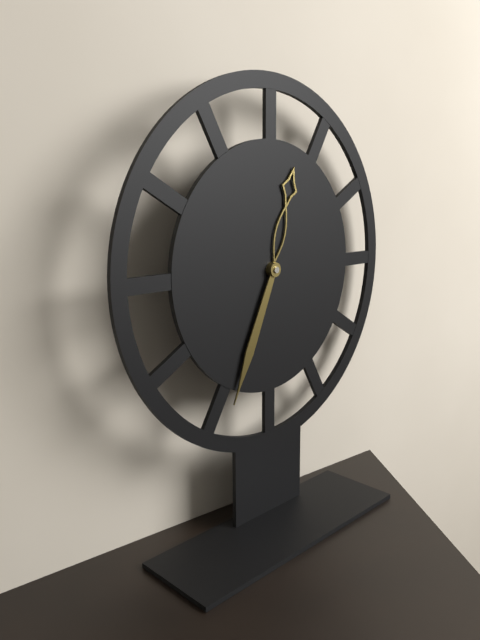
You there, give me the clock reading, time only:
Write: 12:34
